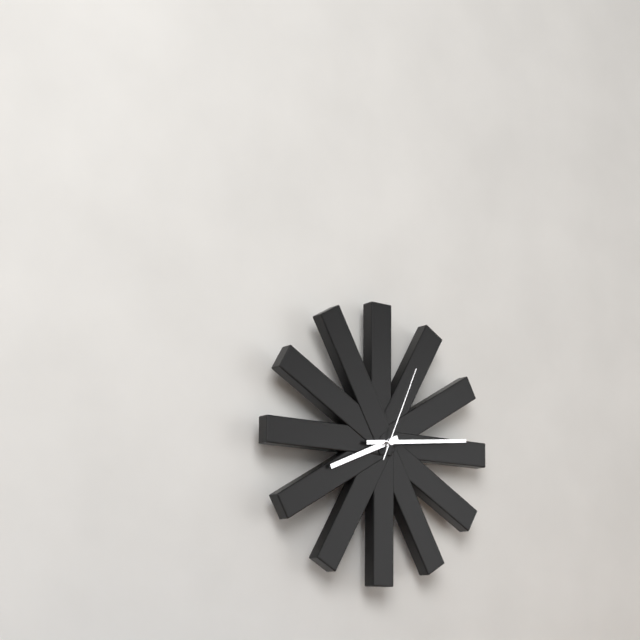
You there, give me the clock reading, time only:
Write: 8:14:04
